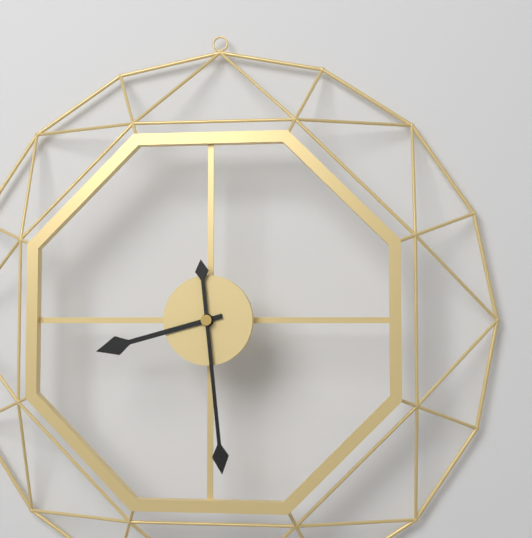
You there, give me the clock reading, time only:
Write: 8:29
